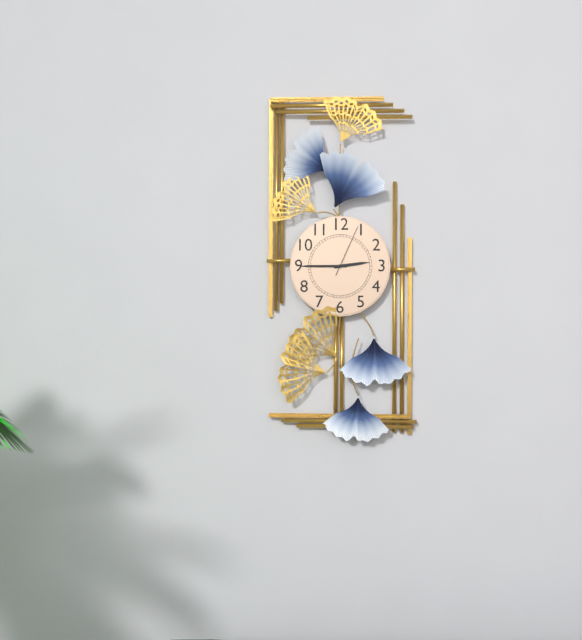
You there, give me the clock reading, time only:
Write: 2:45:04
